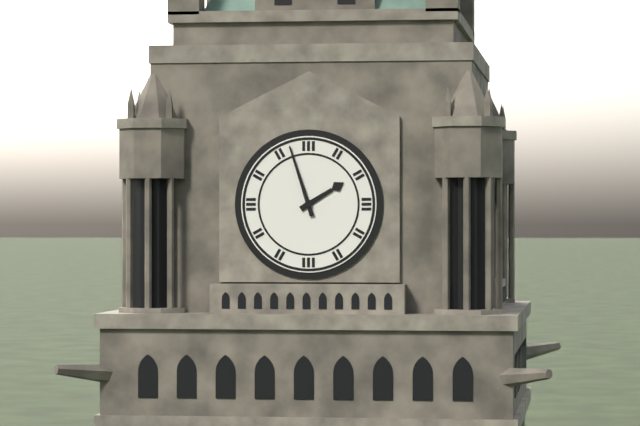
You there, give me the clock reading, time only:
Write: 1:57
